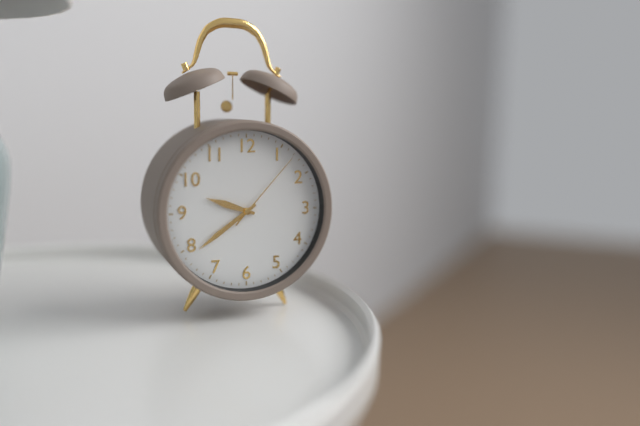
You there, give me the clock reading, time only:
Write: 9:39:07
